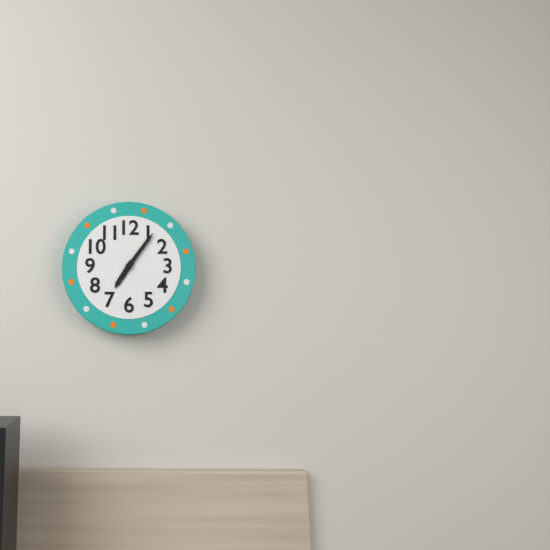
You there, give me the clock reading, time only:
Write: 7:06
